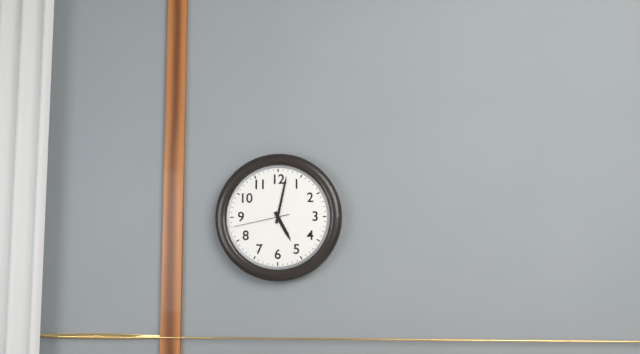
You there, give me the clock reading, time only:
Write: 5:02:43
